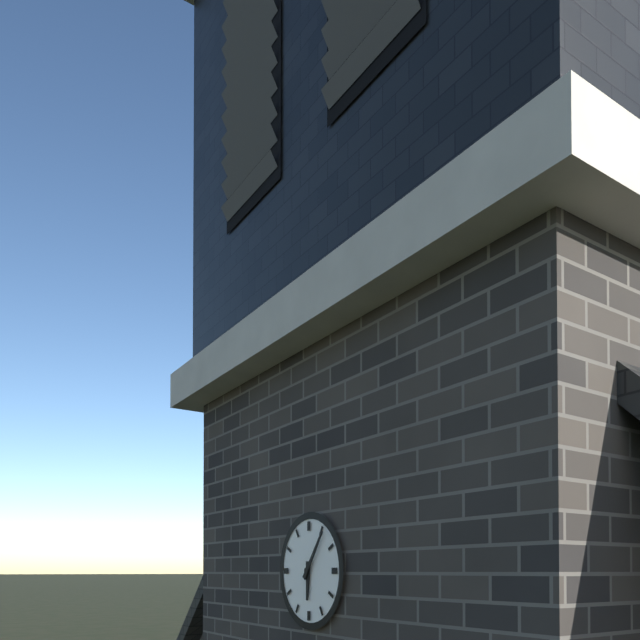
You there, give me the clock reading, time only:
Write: 6:06
